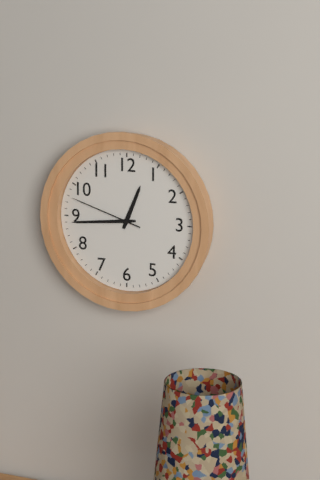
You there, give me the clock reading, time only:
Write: 12:44:48
